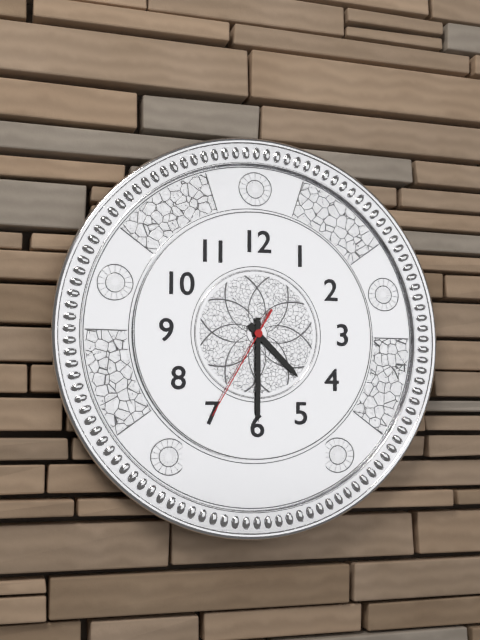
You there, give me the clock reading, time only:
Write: 4:30:35
